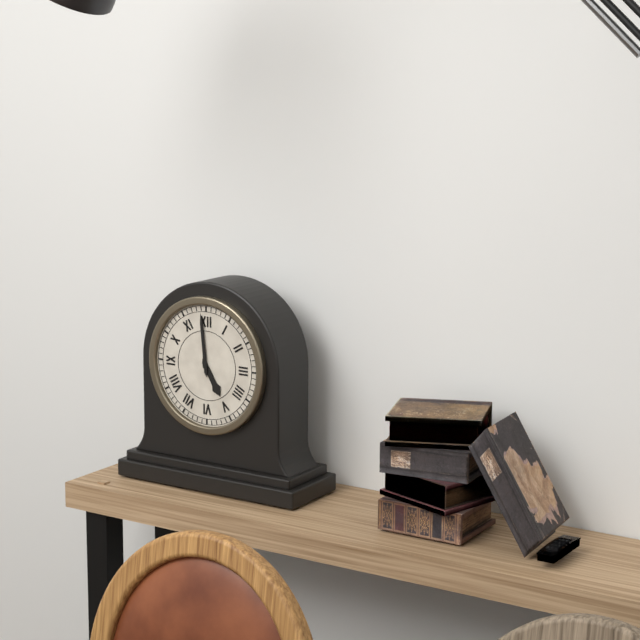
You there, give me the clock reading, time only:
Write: 4:59
